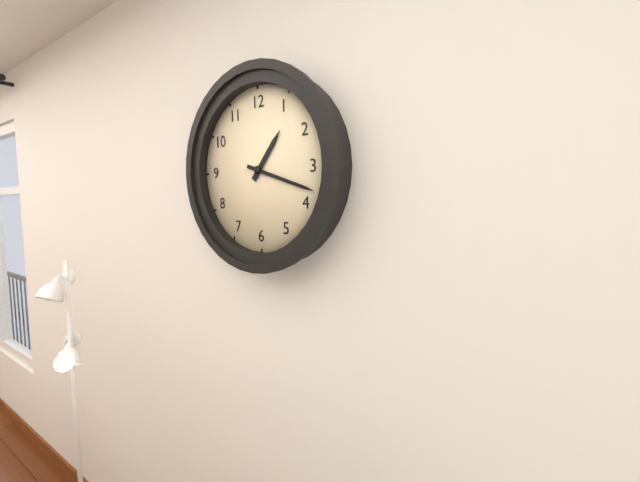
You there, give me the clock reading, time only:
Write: 1:18
